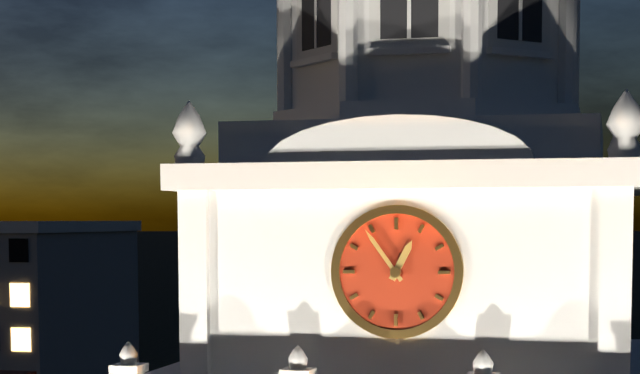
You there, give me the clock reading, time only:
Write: 12:54
